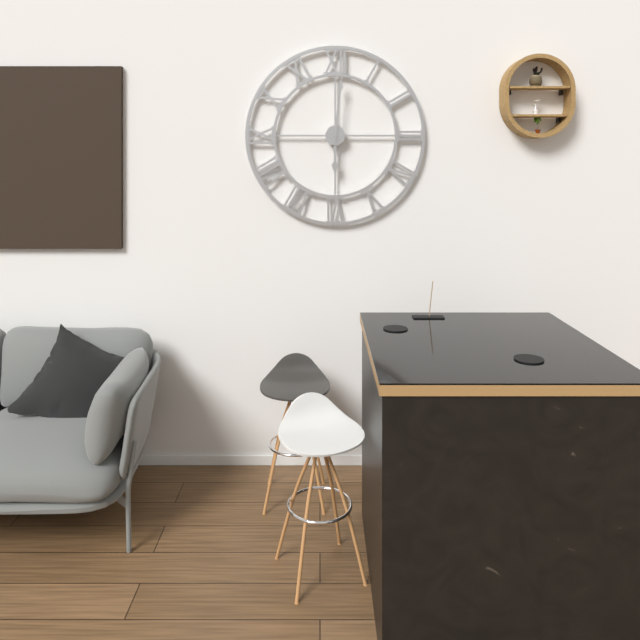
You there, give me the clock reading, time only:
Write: 6:01
